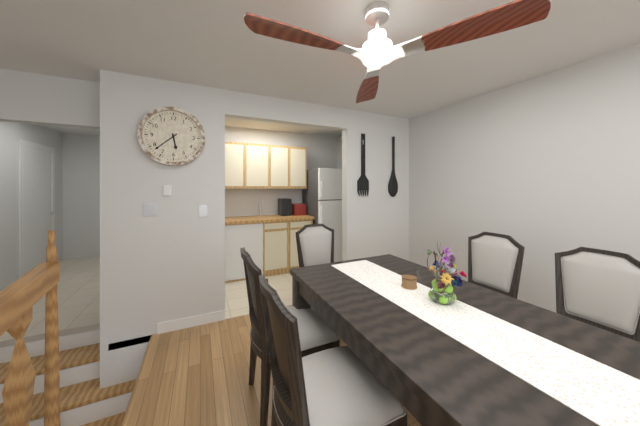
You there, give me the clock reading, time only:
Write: 5:38
